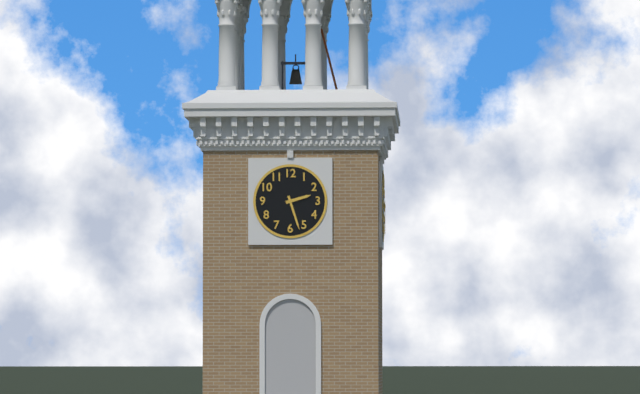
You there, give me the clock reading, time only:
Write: 2:27
